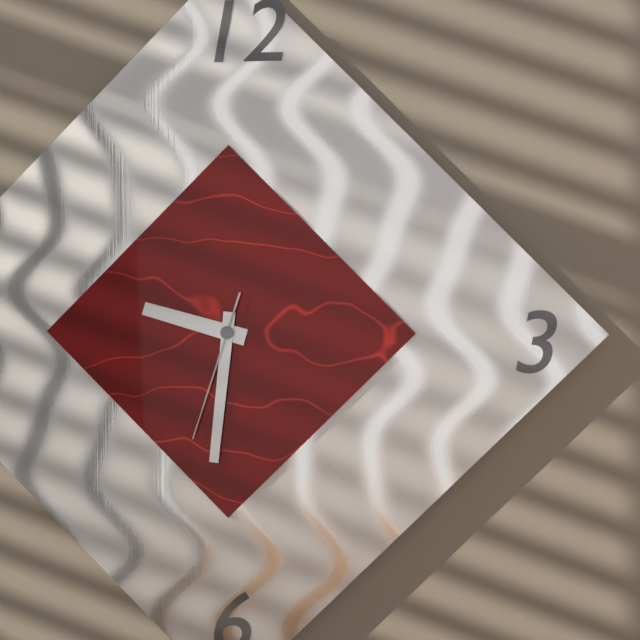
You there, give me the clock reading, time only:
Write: 9:31:33
